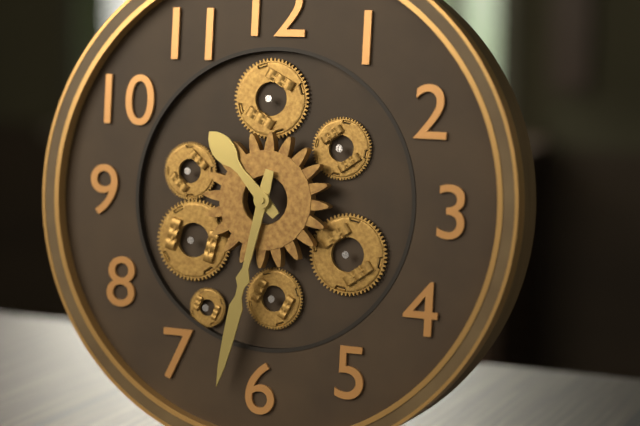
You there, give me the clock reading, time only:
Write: 10:32
